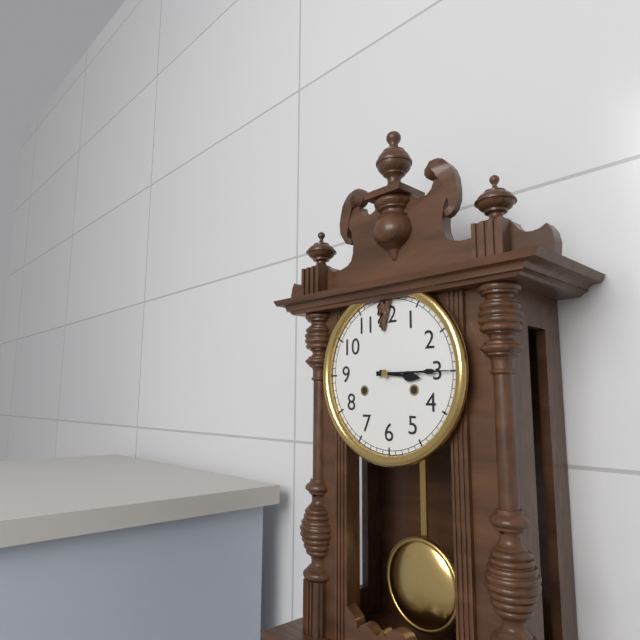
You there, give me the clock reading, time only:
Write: 3:15
